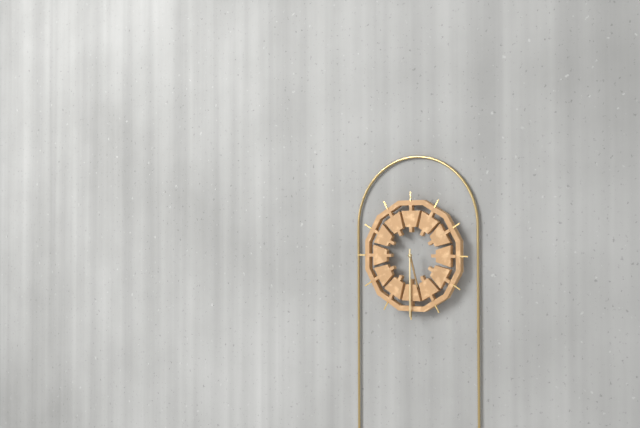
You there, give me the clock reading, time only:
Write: 5:30
